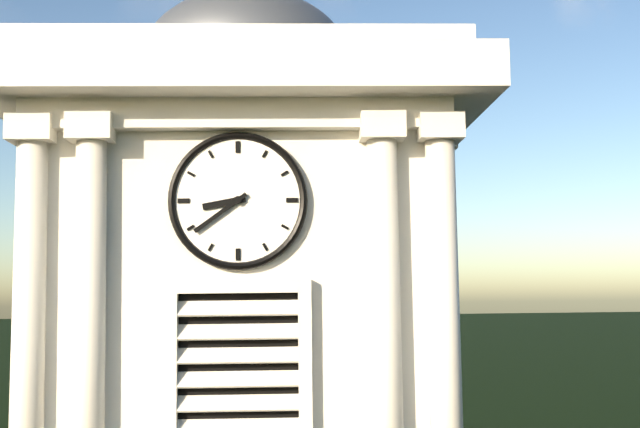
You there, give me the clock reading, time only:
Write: 8:39
